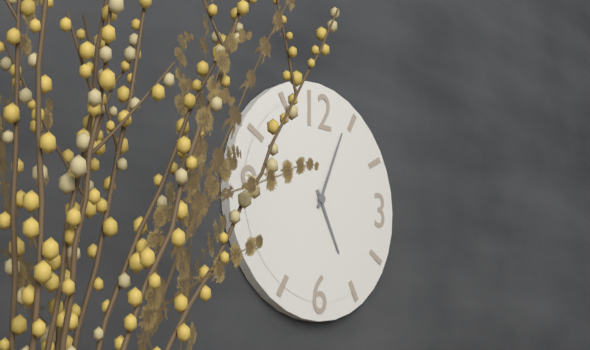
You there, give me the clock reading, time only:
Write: 5:04
